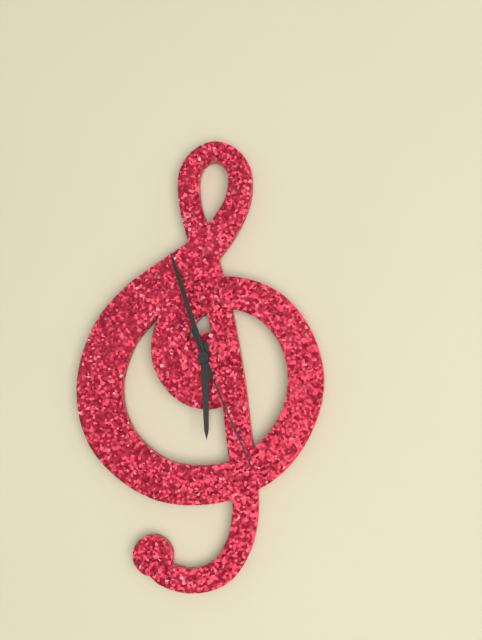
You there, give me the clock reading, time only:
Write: 5:57:26
